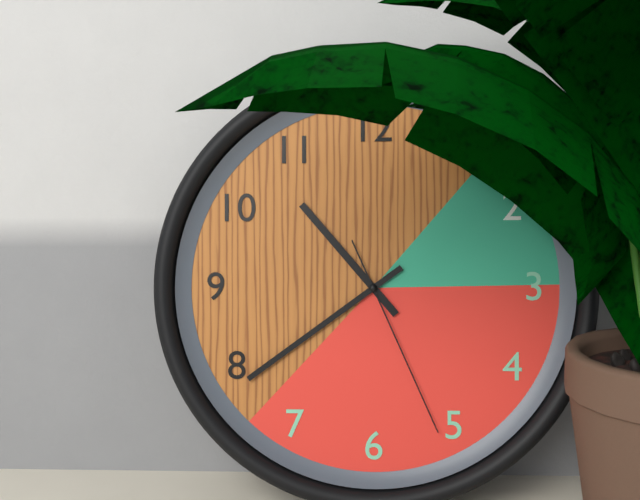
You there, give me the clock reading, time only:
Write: 10:39:26
